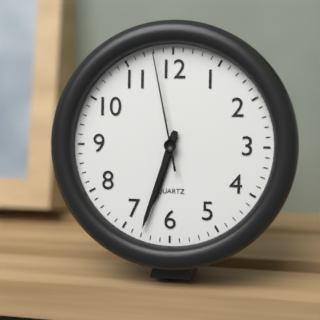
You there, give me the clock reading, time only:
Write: 6:33:58
